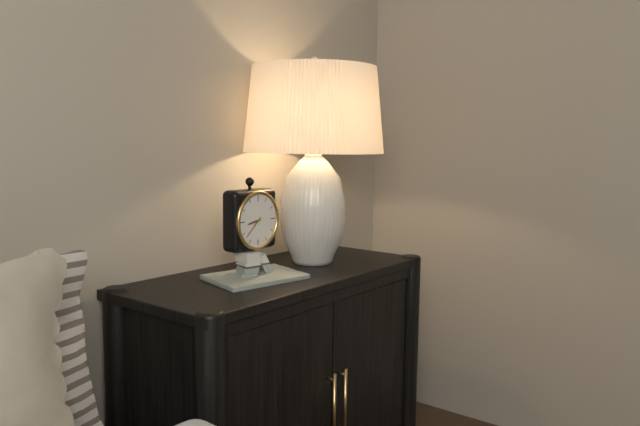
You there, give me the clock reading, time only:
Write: 8:38
